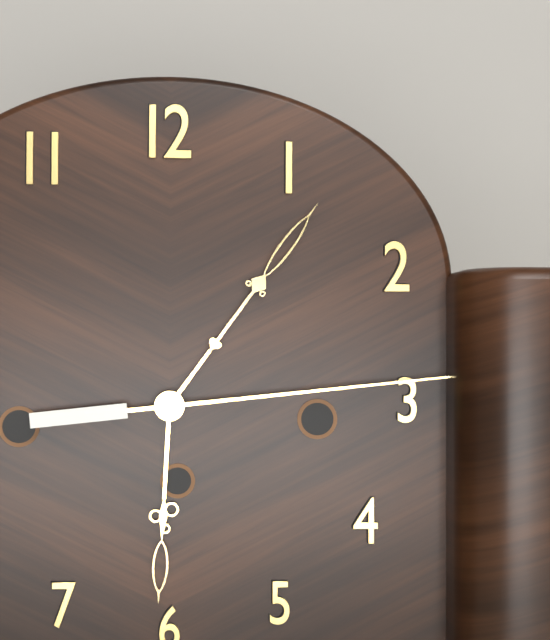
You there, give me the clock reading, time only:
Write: 6:06:14
